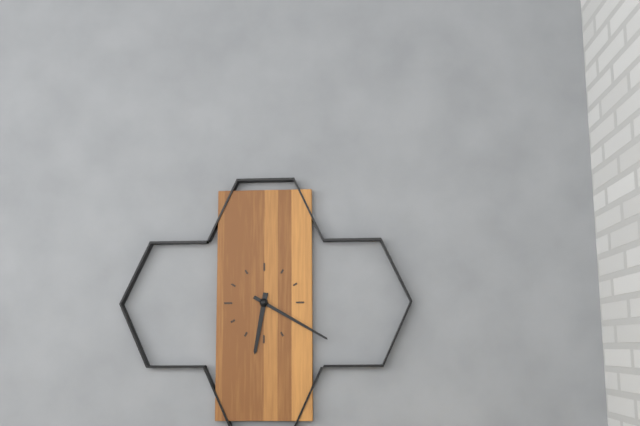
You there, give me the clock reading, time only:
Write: 6:20
